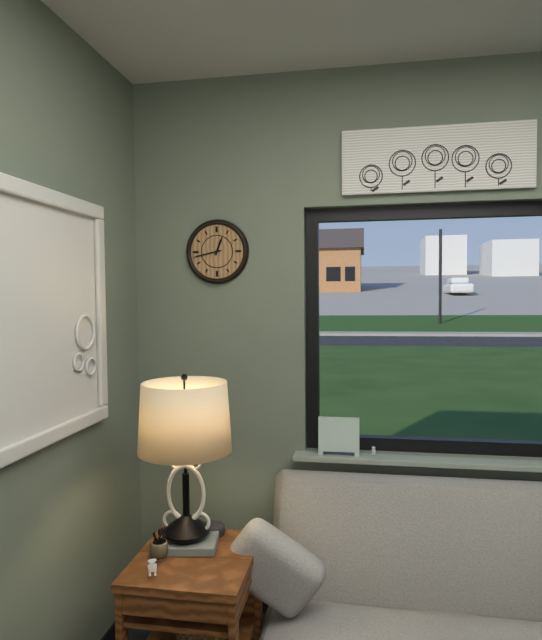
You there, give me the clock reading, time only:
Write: 12:43
